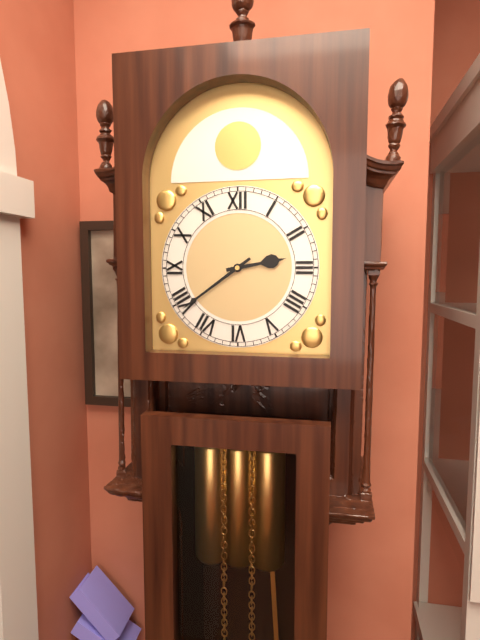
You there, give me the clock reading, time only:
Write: 2:39
